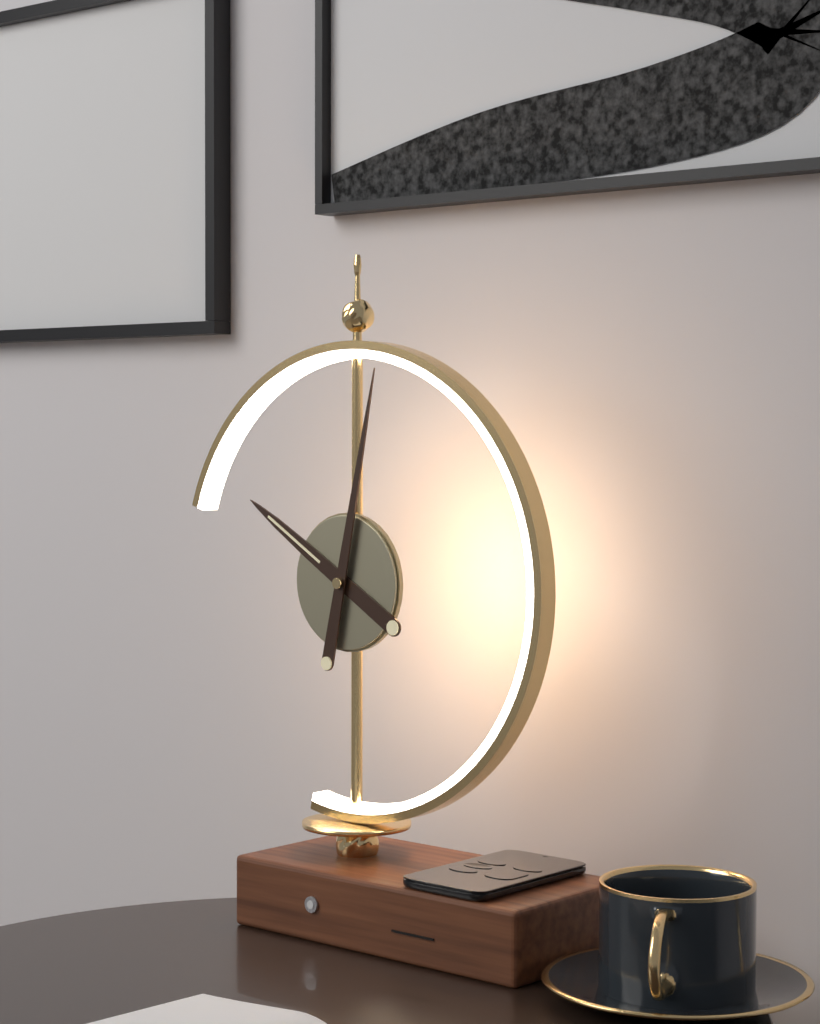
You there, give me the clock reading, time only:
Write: 10:02
